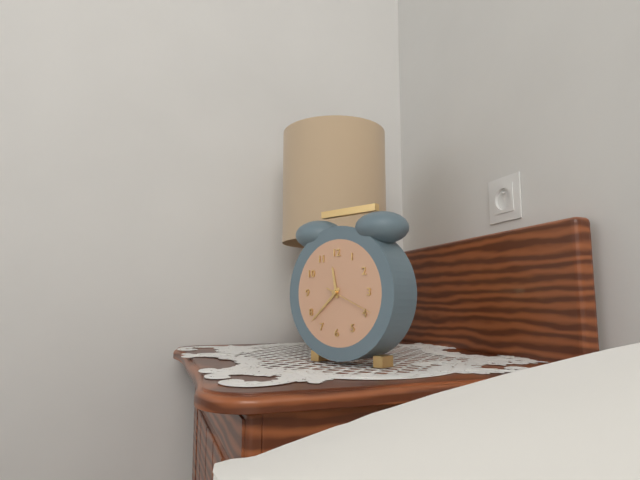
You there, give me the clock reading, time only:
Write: 11:38:19
